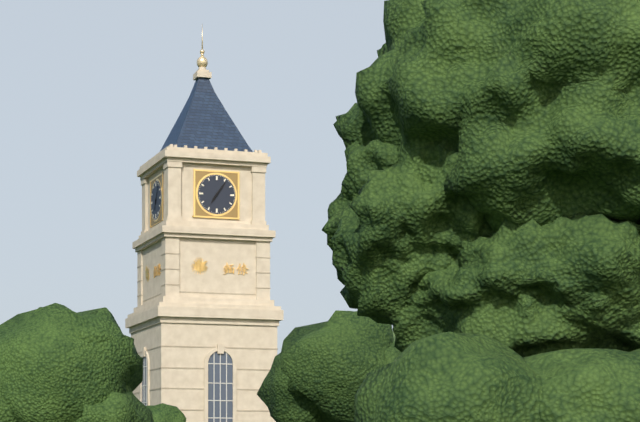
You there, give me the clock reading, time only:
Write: 7:06
